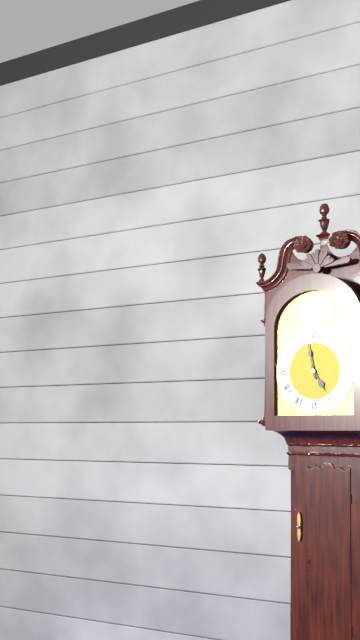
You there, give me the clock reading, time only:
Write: 4:58
